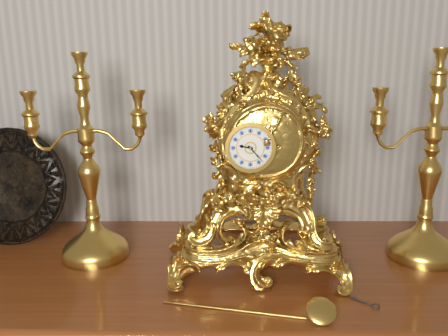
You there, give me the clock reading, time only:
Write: 9:23
